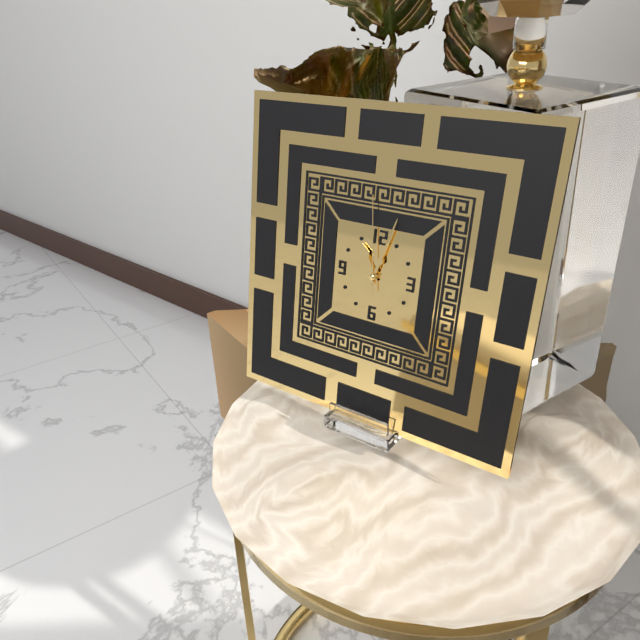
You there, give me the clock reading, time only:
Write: 11:03:59
